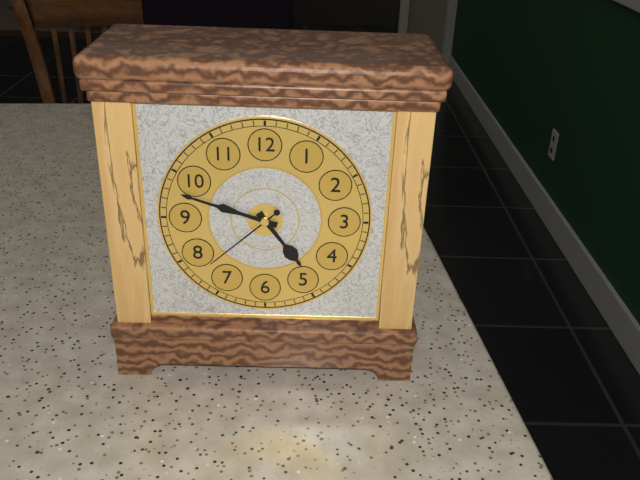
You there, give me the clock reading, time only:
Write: 4:48:38
